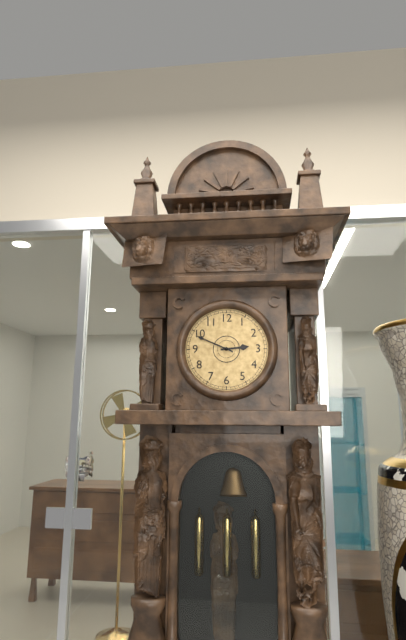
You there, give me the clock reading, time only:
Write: 2:49
